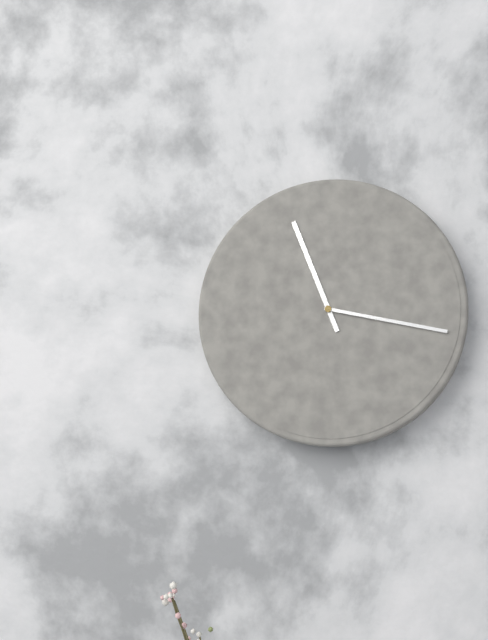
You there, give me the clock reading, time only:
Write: 11:17
